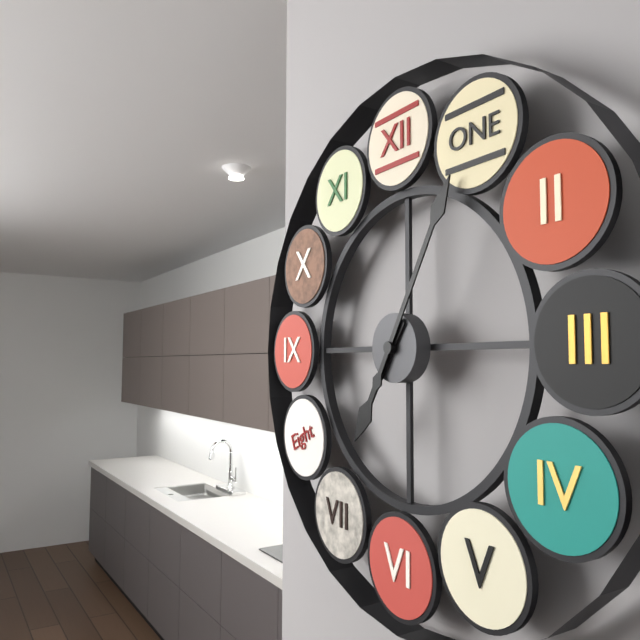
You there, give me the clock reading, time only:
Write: 7:05
